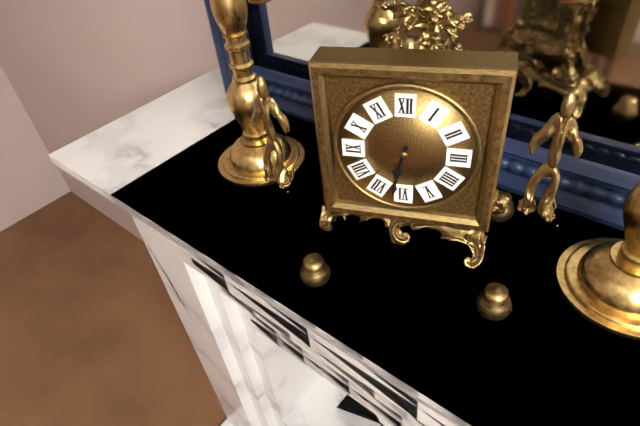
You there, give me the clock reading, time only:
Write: 6:32
